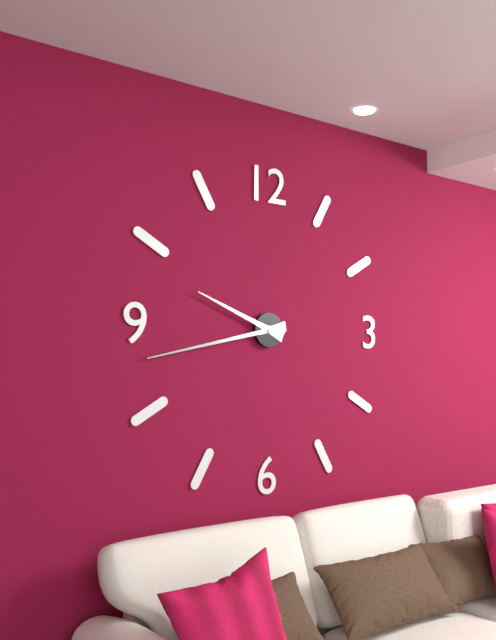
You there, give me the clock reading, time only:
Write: 9:43
